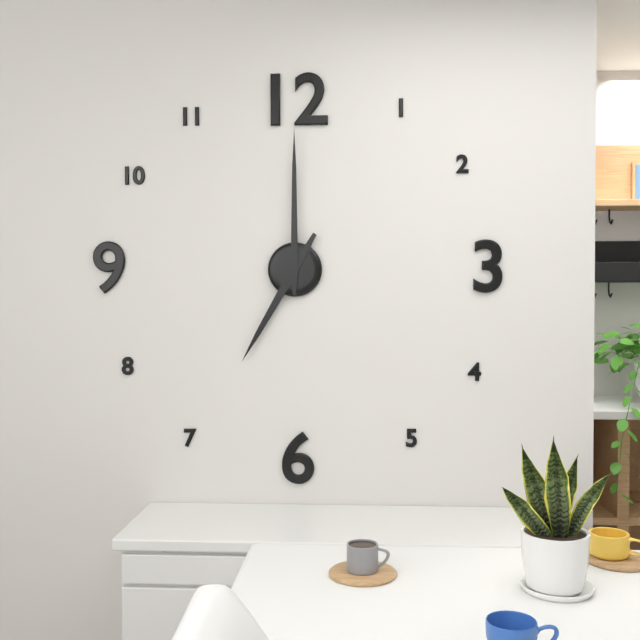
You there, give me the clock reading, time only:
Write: 7:00
